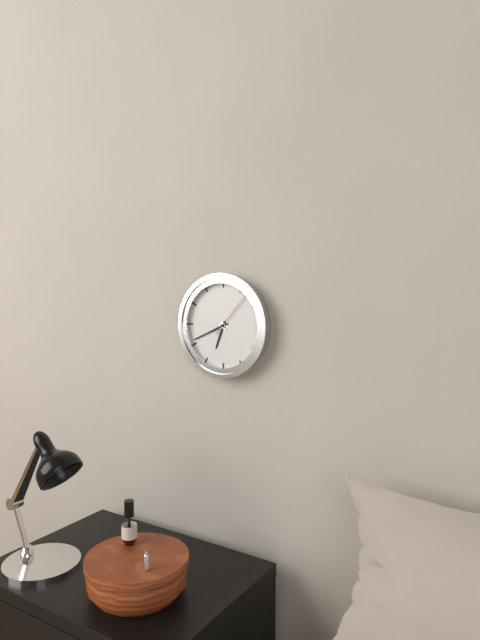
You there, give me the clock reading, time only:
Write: 6:41
